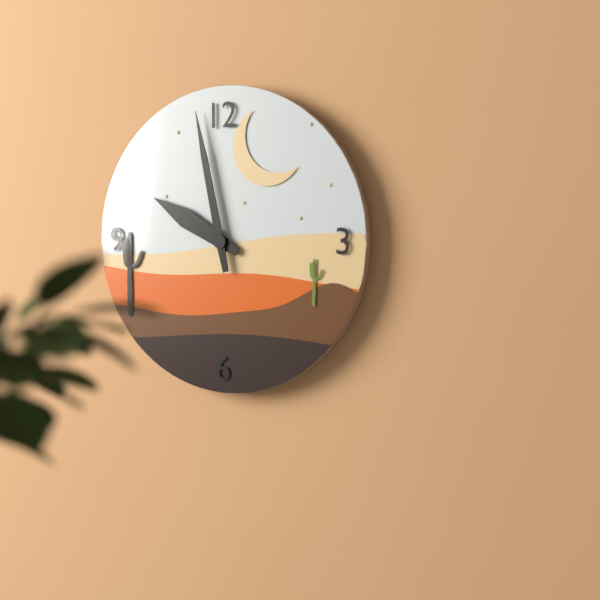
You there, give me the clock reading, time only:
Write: 9:58
